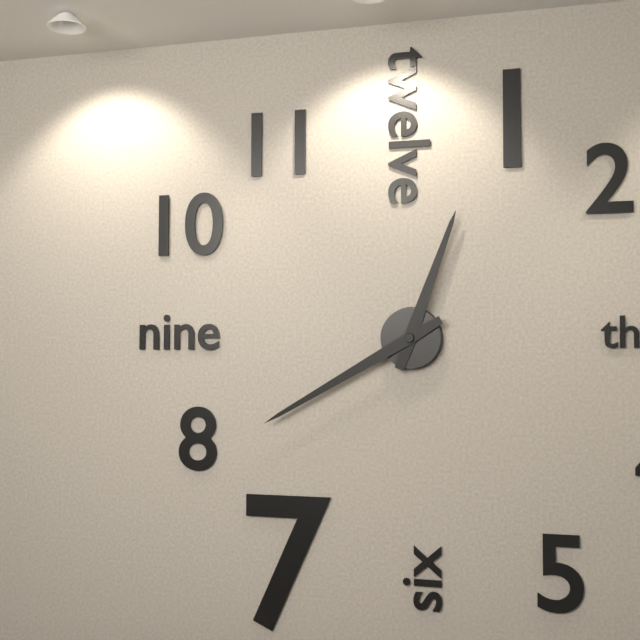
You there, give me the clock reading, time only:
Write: 12:40
